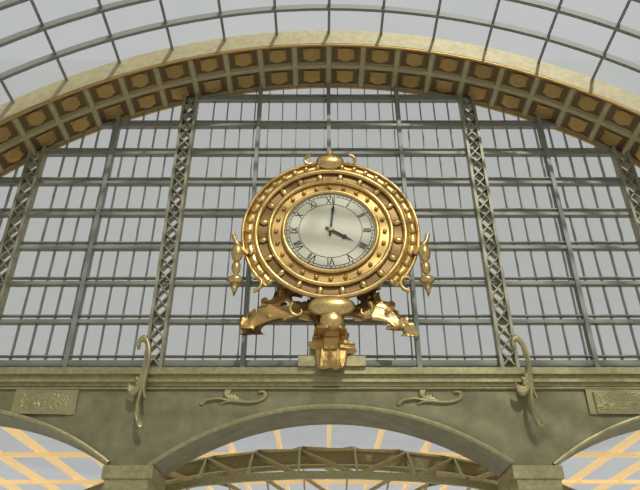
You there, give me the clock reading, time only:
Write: 4:01
